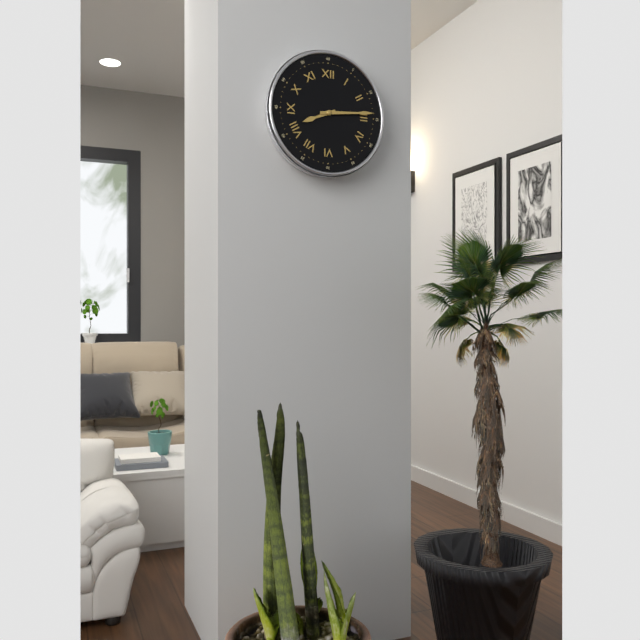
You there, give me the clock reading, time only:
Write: 8:14
